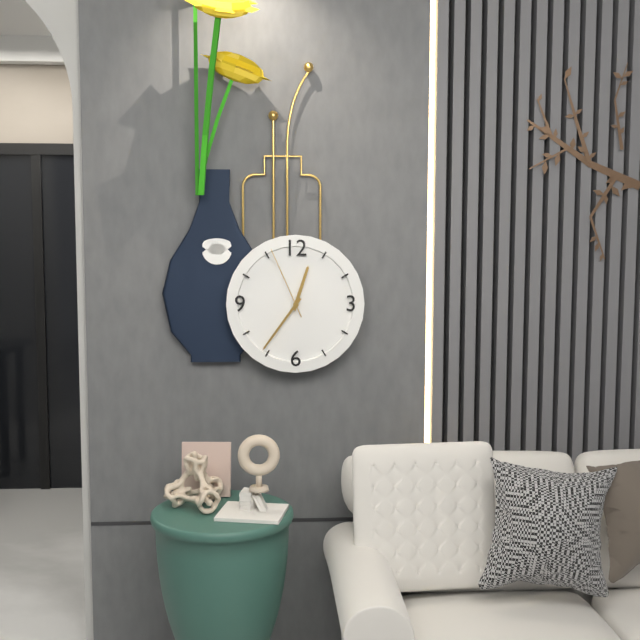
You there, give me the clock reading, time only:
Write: 12:36:56
